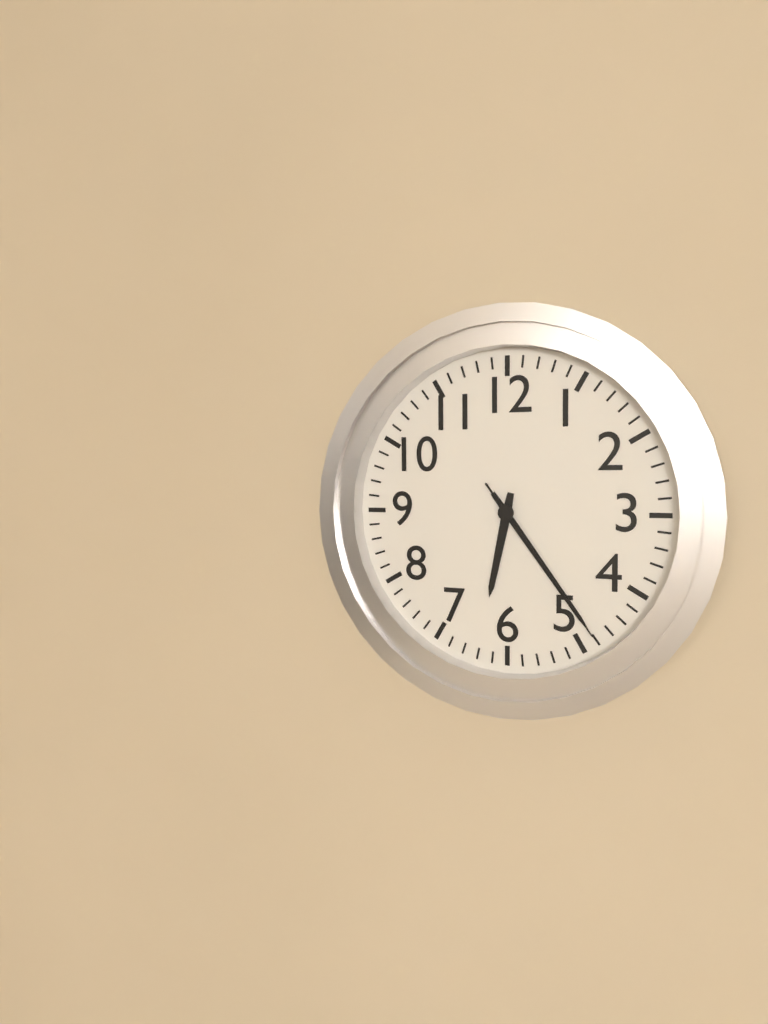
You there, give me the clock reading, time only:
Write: 6:24:24
